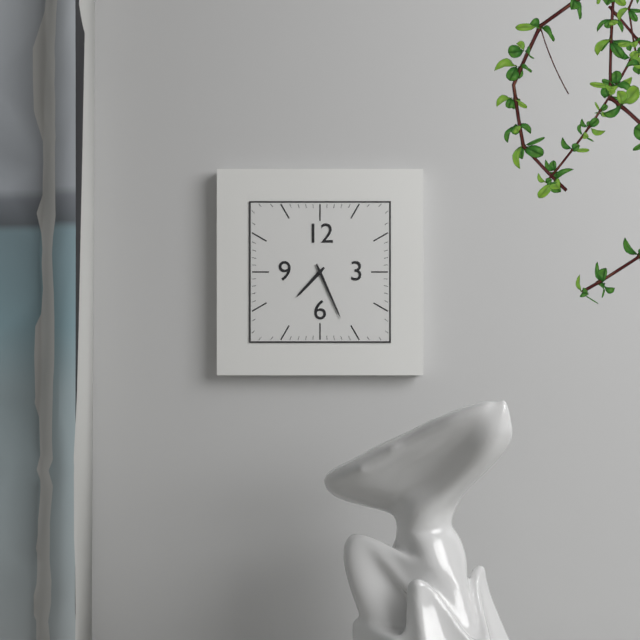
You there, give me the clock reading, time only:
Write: 7:26
